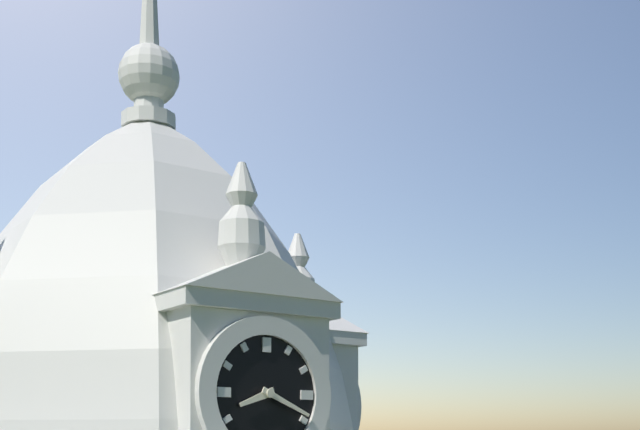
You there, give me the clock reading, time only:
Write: 8:19
